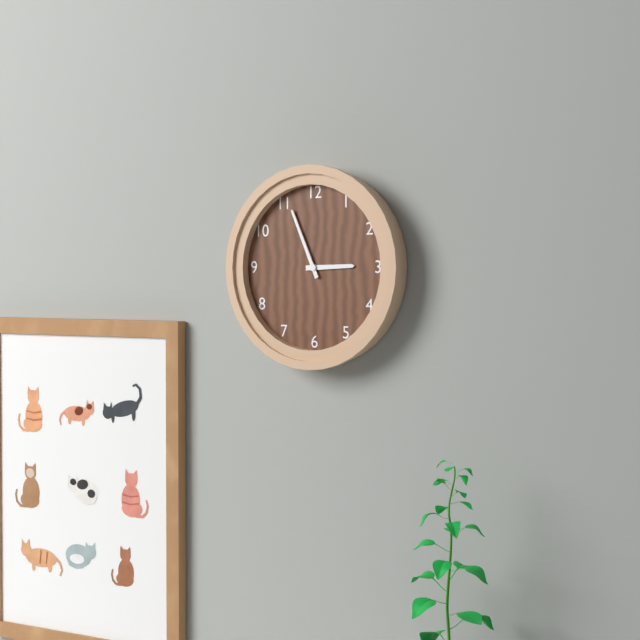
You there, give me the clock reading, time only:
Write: 2:56
